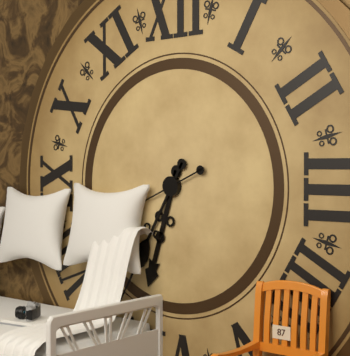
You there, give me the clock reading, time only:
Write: 6:35
